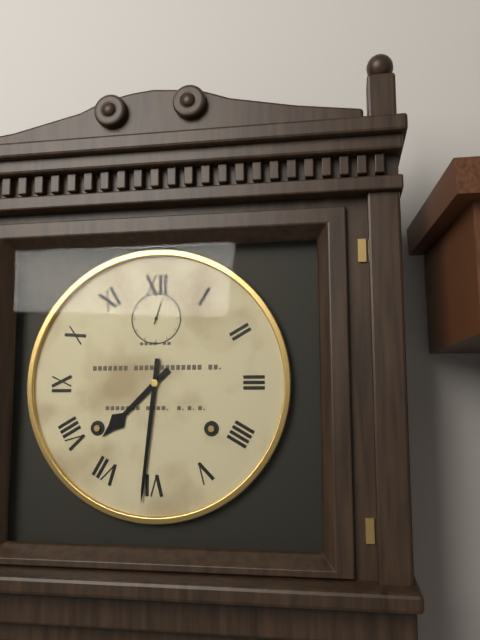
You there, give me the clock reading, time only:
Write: 7:31
